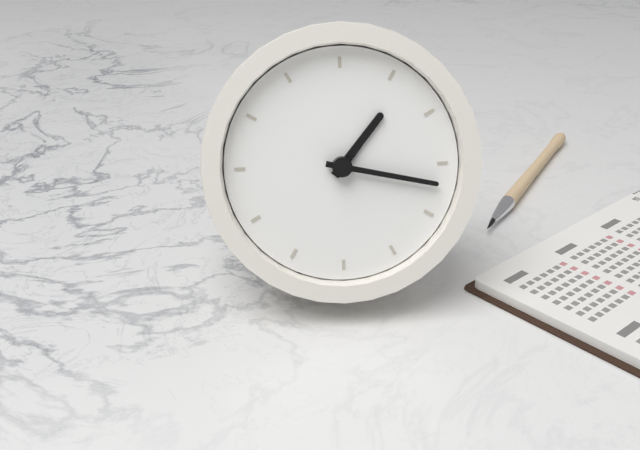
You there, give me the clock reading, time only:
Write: 1:17
